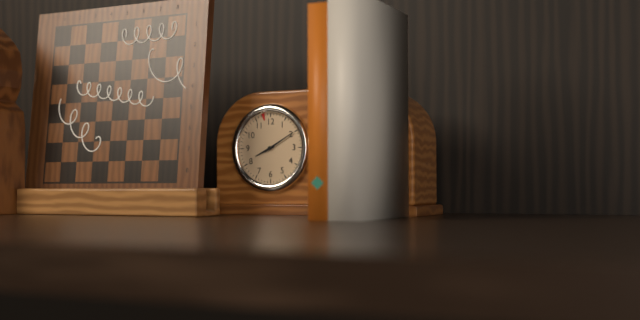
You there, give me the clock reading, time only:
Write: 8:10
